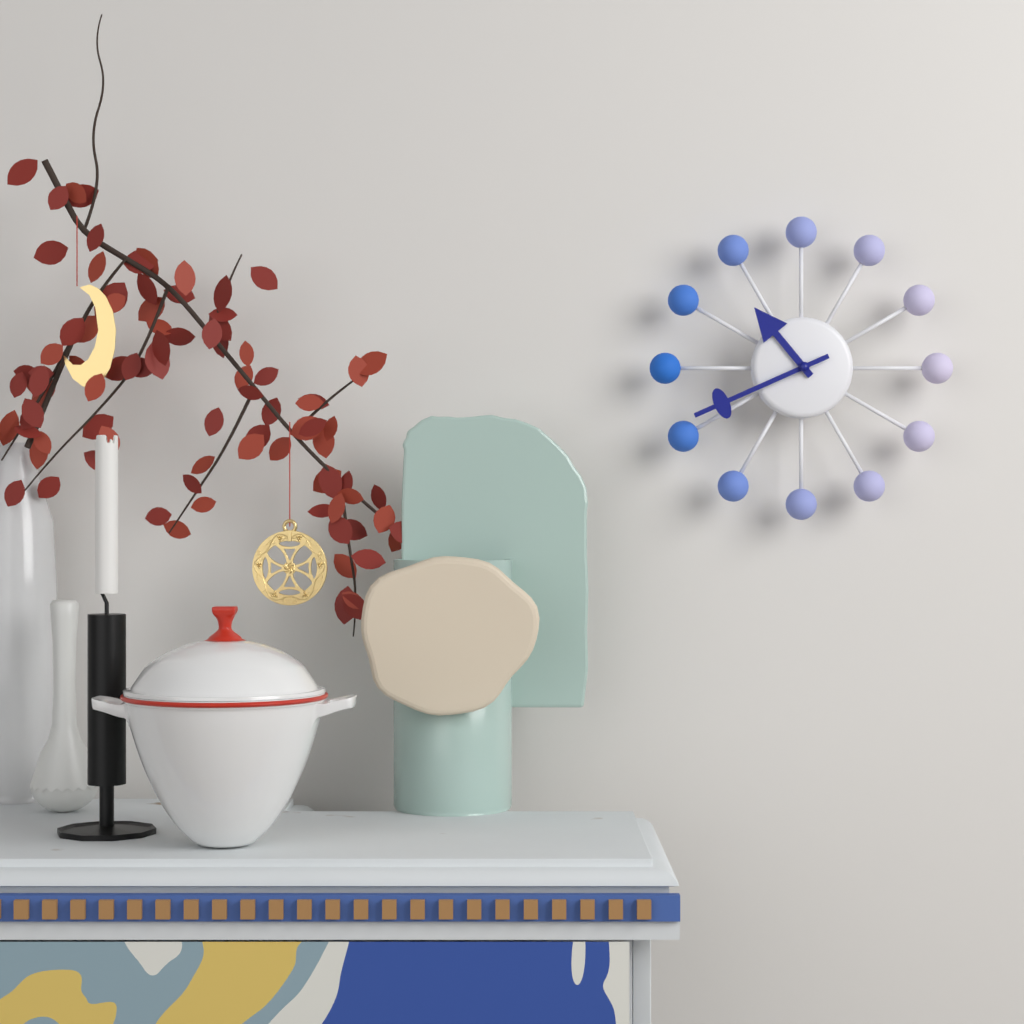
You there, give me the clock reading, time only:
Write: 10:41
